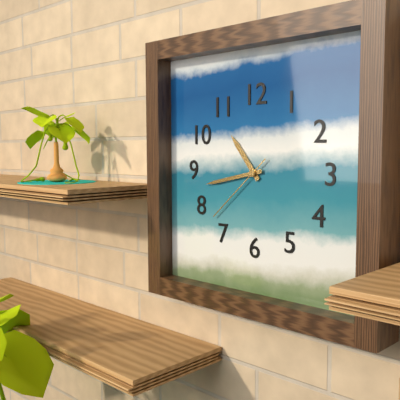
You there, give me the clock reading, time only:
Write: 10:43:38
